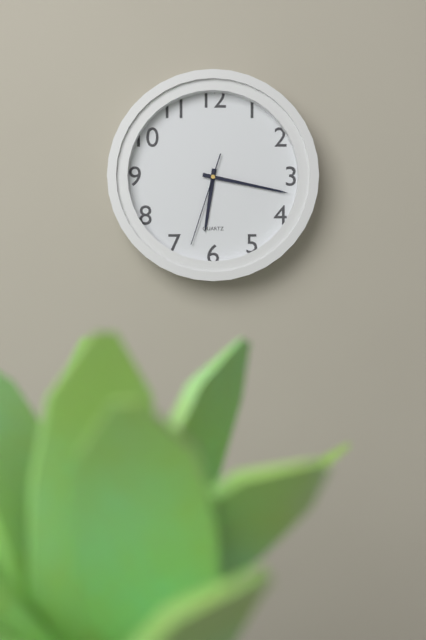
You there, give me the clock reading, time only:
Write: 6:17:33
